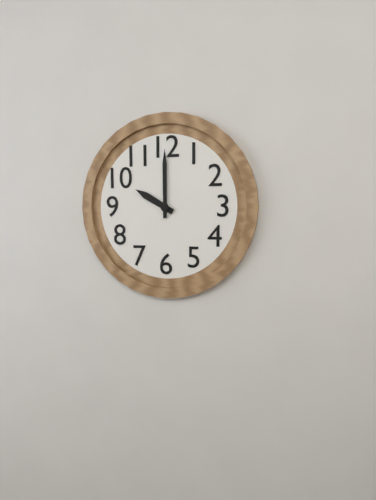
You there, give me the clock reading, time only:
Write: 10:00
